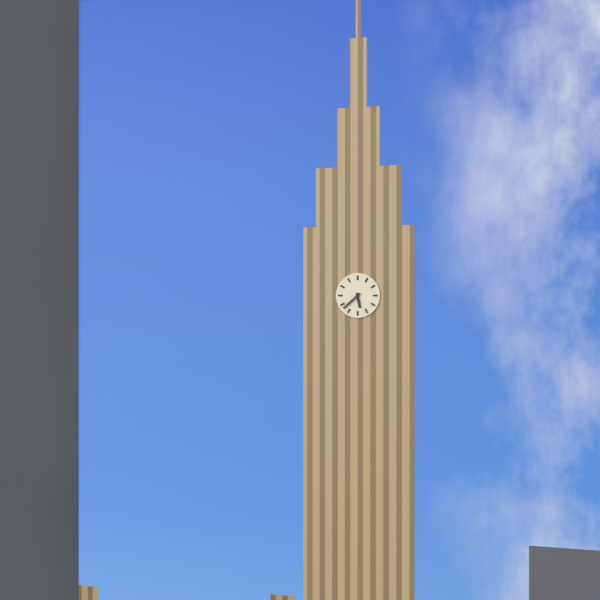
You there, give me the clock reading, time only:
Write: 5:38
